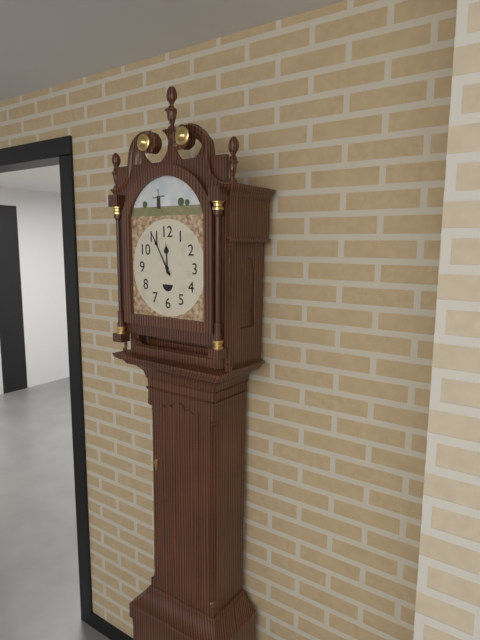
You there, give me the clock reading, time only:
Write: 11:55
